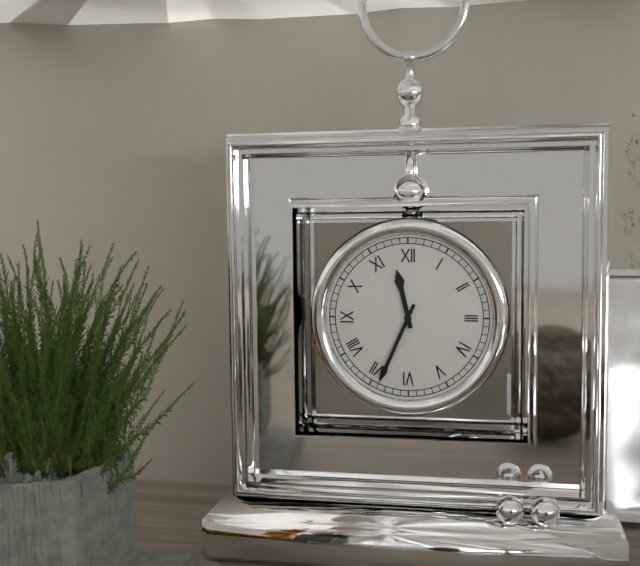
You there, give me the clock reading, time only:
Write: 11:34
